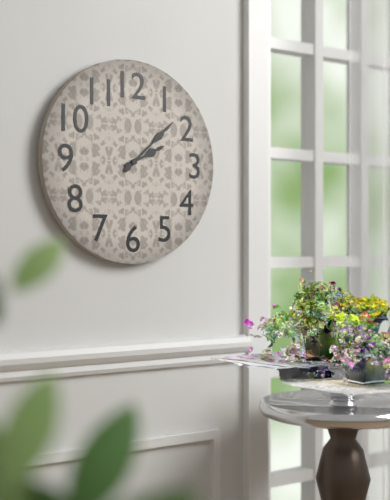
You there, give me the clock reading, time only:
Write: 2:08
